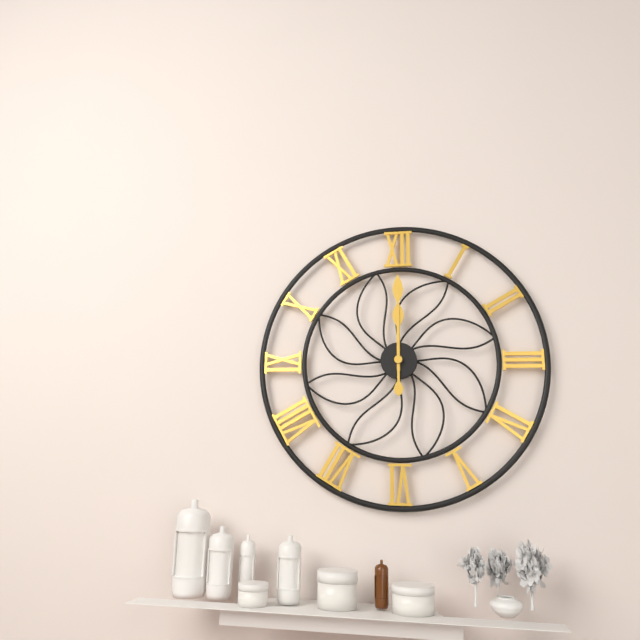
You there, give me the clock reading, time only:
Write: 12:00
